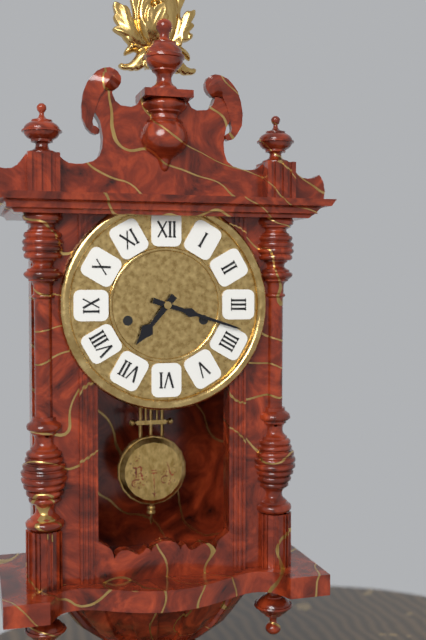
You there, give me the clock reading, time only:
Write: 7:18
